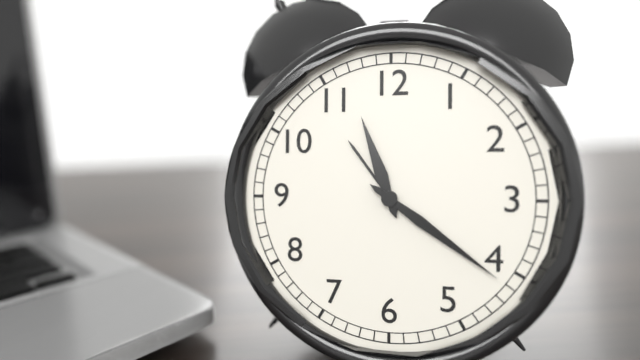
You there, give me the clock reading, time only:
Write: 11:21
